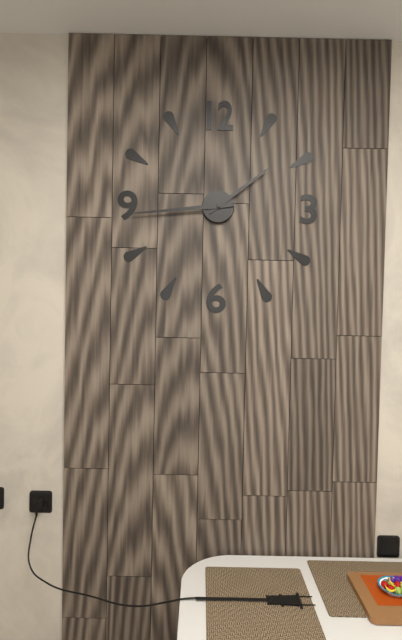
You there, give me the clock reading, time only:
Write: 1:44
